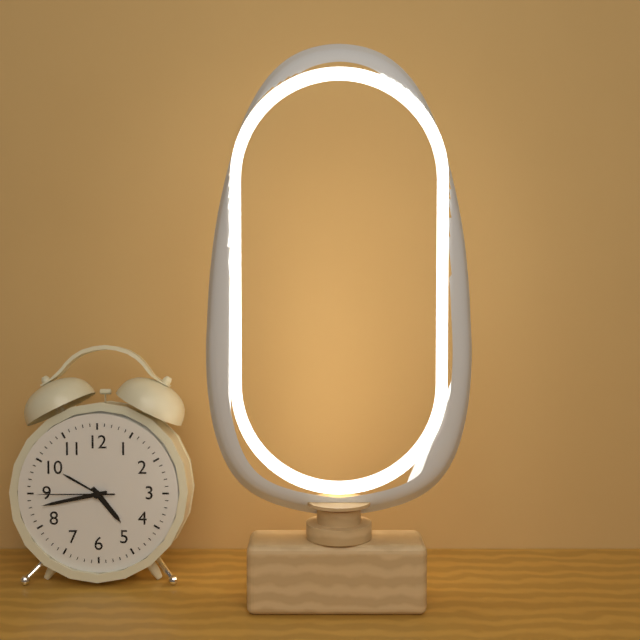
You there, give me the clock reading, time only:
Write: 4:43:45
